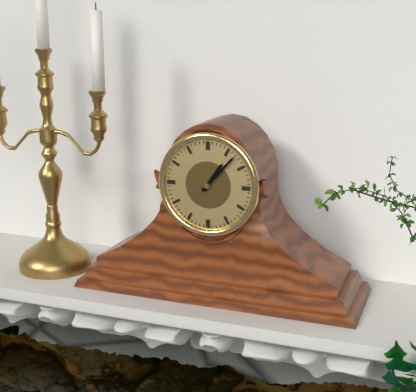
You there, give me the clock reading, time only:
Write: 1:07
